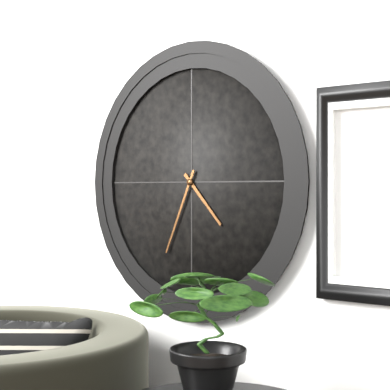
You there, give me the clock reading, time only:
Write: 4:34
